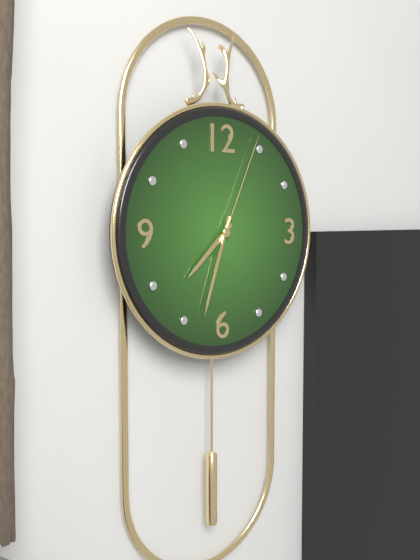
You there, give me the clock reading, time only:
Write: 7:33:04
